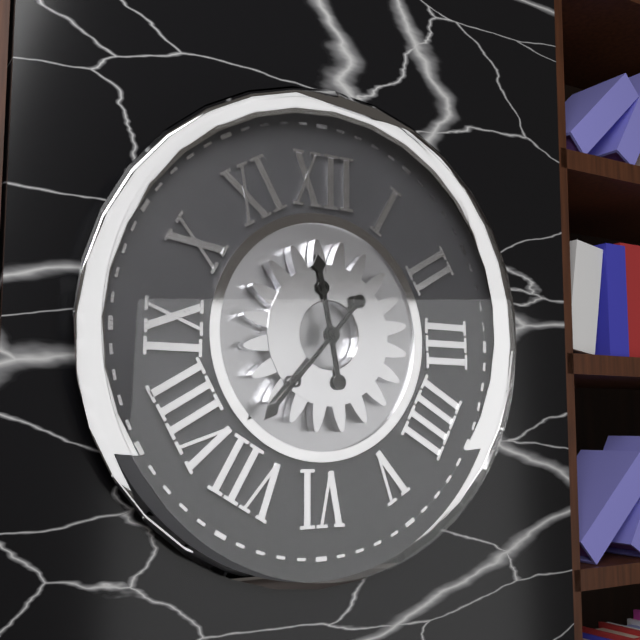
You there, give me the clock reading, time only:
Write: 11:37
